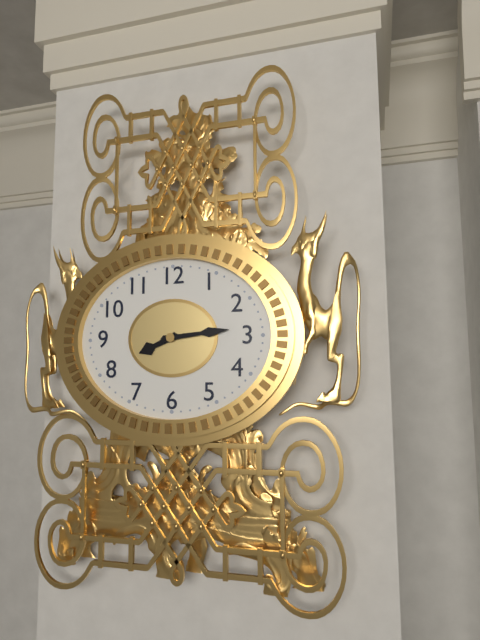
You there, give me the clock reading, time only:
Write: 8:14
